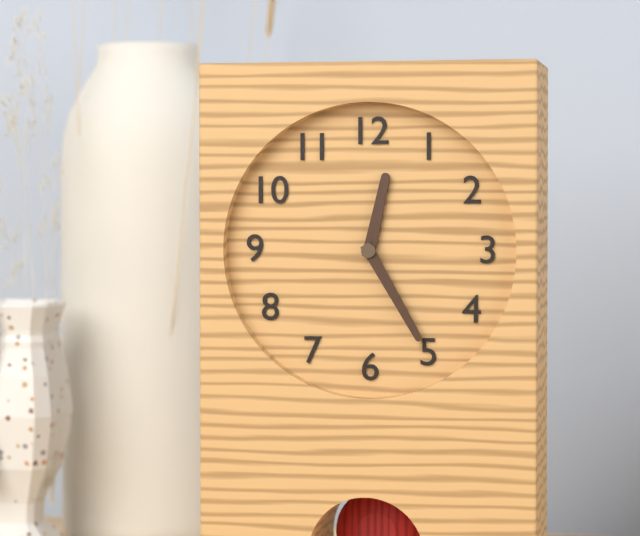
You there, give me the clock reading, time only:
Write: 12:25
